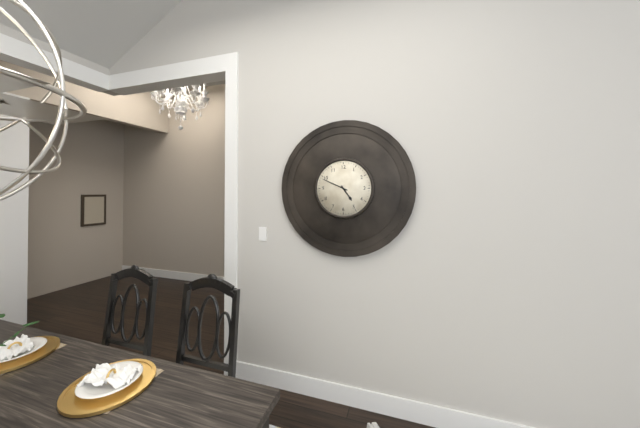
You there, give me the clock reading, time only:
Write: 4:49
